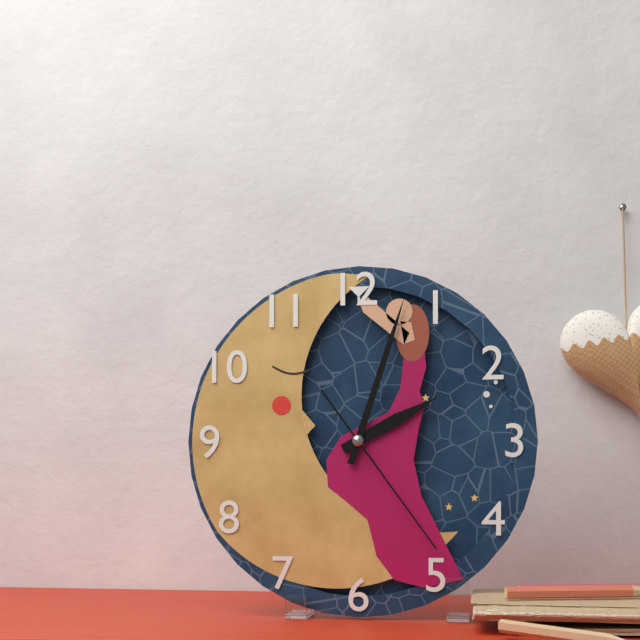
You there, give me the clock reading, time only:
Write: 2:03:24
